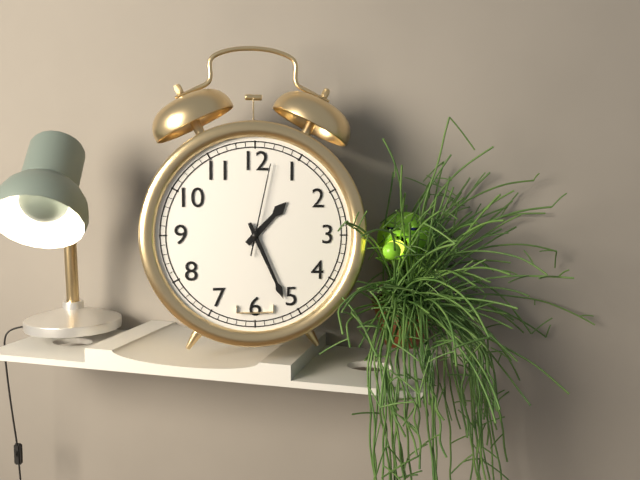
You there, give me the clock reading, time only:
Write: 1:26:02
